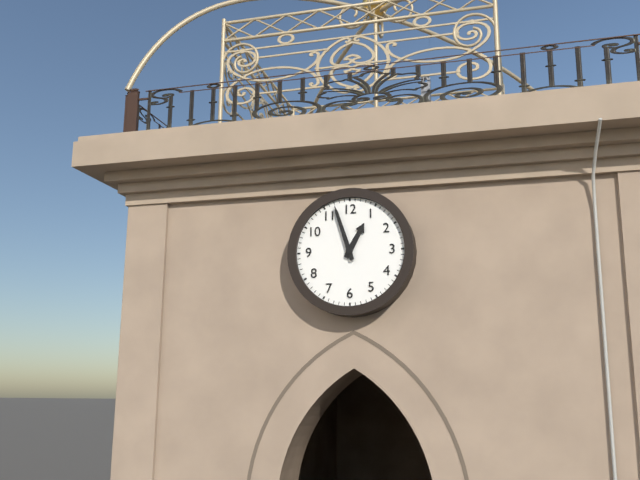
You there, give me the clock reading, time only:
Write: 12:57
